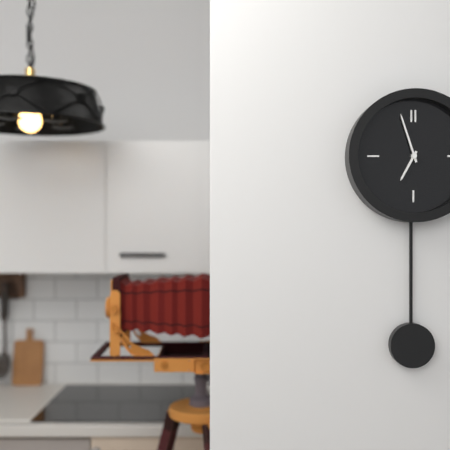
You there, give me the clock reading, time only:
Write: 6:57
